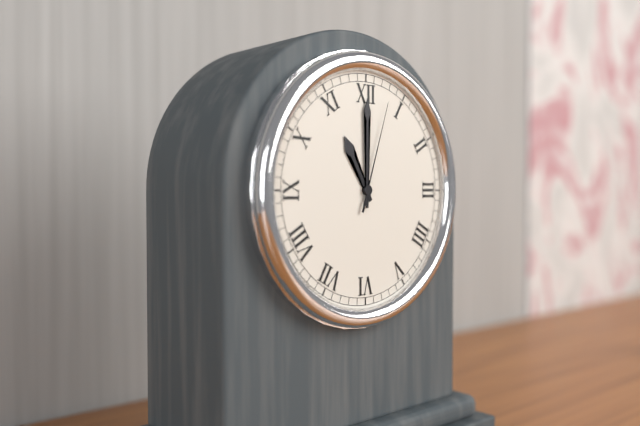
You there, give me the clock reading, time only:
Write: 11:00:03
